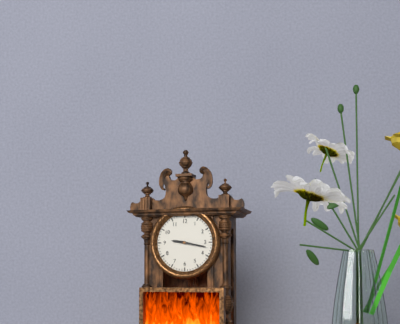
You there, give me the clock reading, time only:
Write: 9:17
